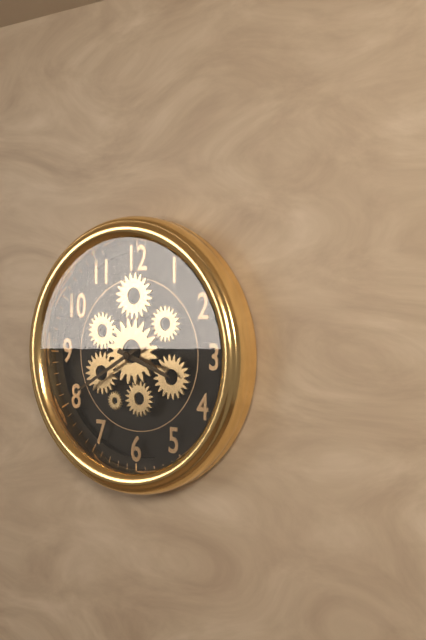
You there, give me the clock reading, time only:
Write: 3:40
